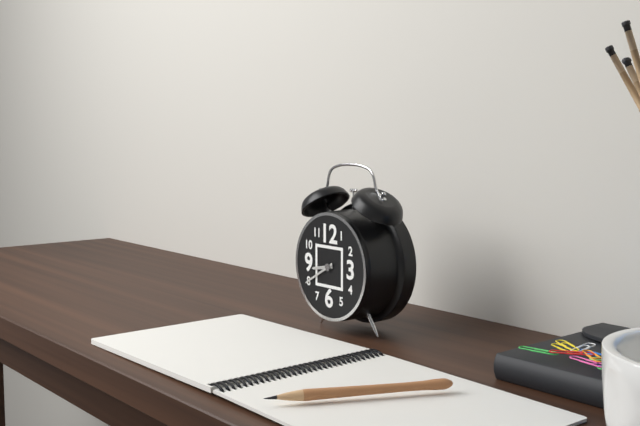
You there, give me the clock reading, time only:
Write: 8:40
